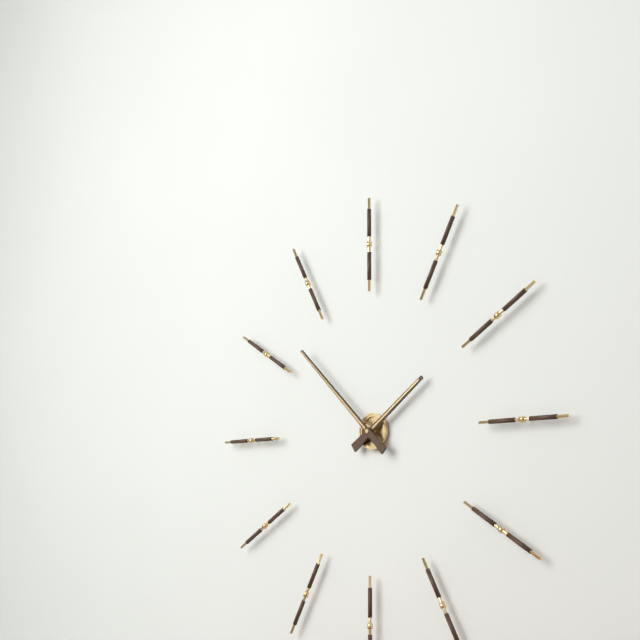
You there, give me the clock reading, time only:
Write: 1:52
